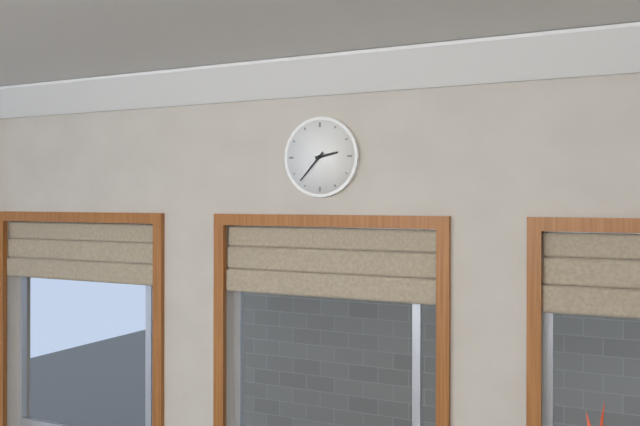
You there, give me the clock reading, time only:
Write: 2:37
